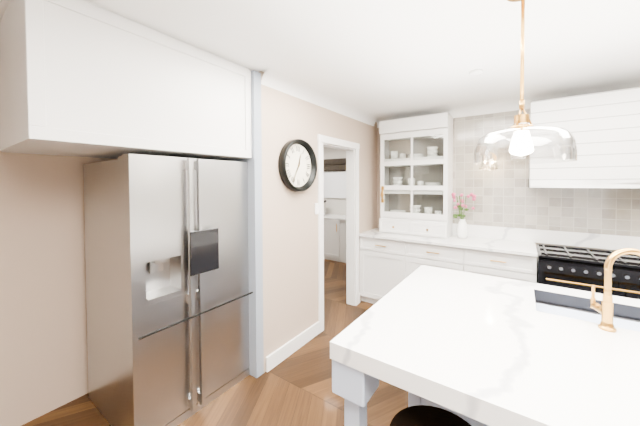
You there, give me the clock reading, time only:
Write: 12:35
